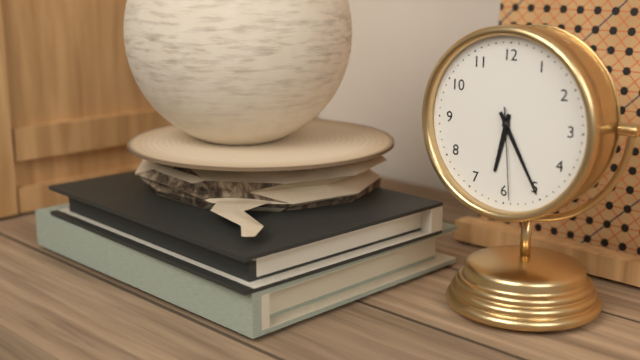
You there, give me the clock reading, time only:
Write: 6:25:29
